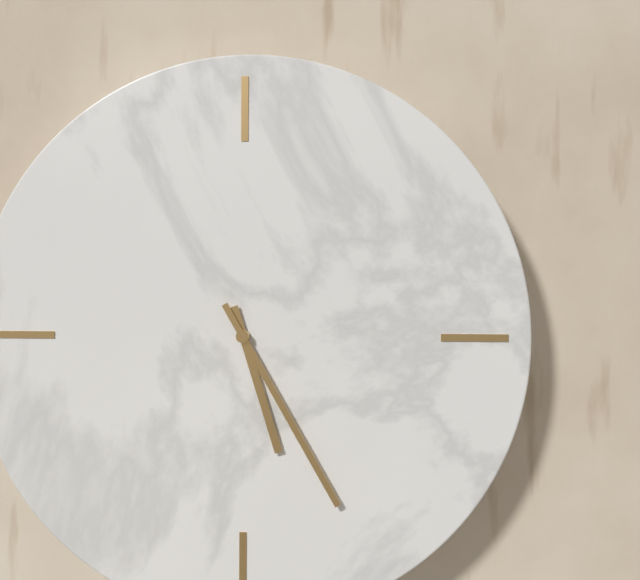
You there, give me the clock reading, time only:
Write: 5:25
